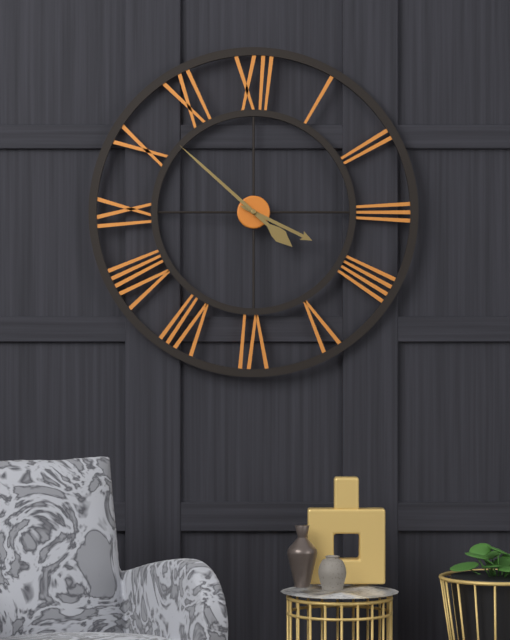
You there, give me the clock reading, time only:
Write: 3:52
